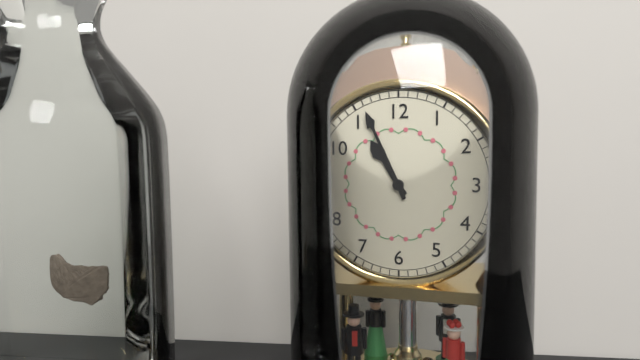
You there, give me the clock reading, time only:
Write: 10:56
